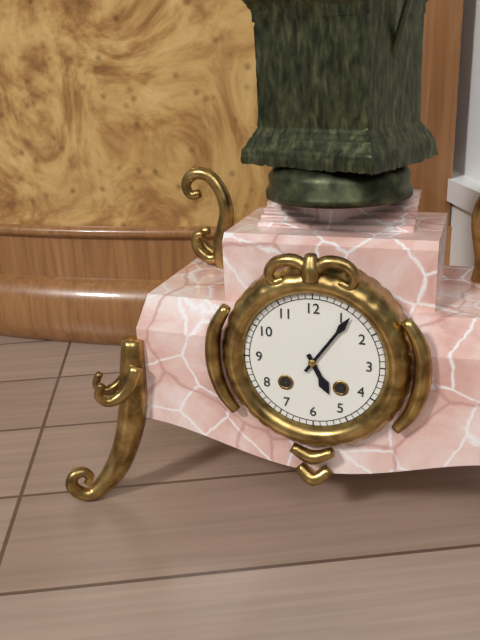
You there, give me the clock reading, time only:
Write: 5:06
